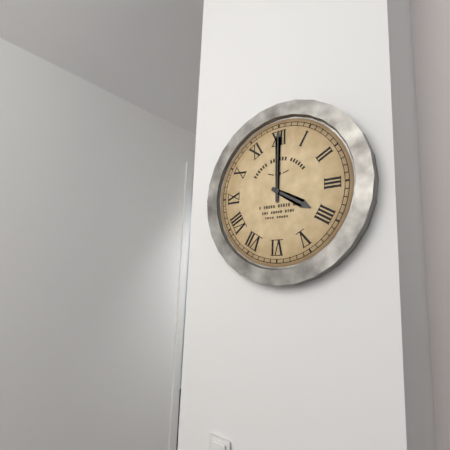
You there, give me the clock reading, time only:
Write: 4:00
